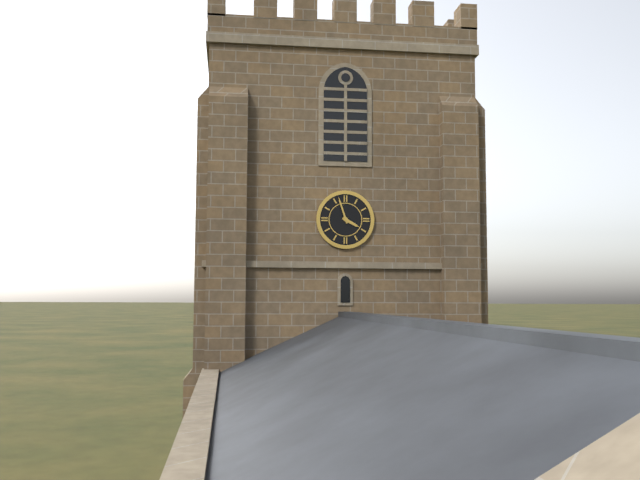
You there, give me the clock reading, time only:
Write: 3:57
